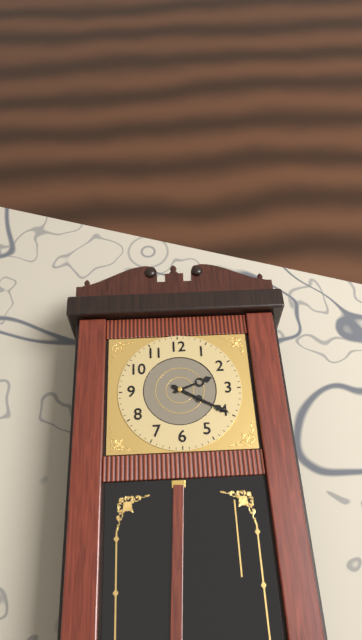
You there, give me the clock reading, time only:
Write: 2:20
